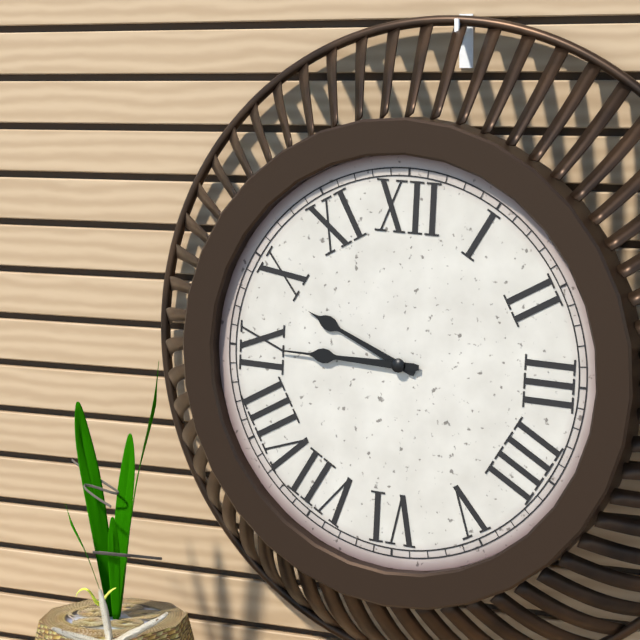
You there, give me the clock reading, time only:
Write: 9:45
